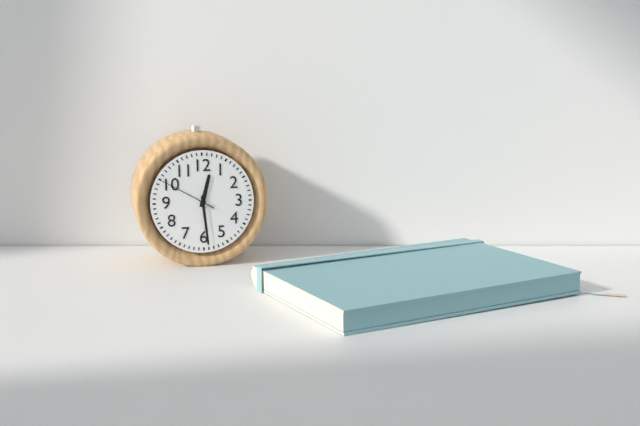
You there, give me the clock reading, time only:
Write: 12:29:50
